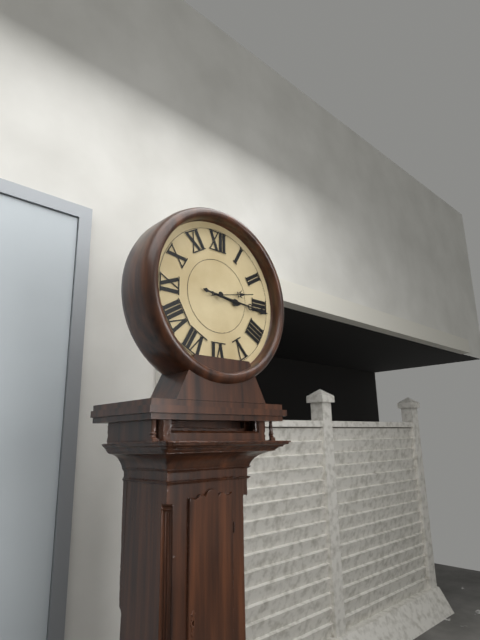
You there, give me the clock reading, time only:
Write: 3:16:13
